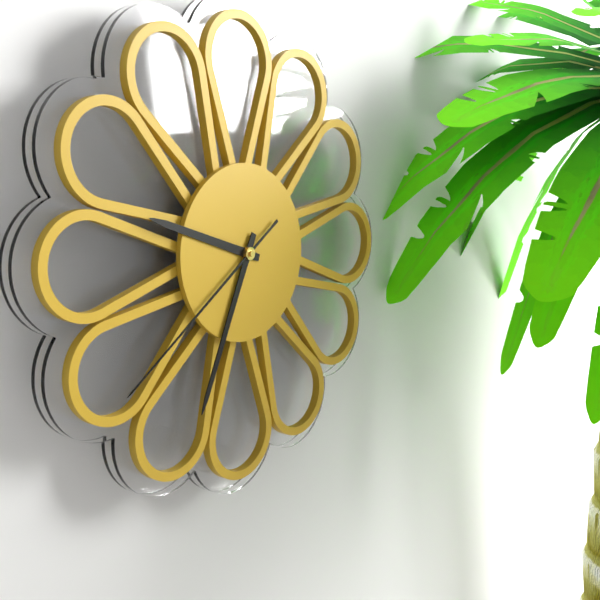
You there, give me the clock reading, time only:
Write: 9:34:39
